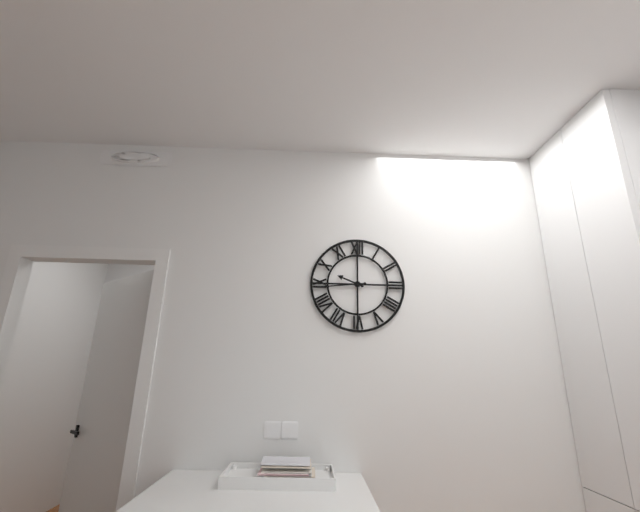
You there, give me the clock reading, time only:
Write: 9:44
